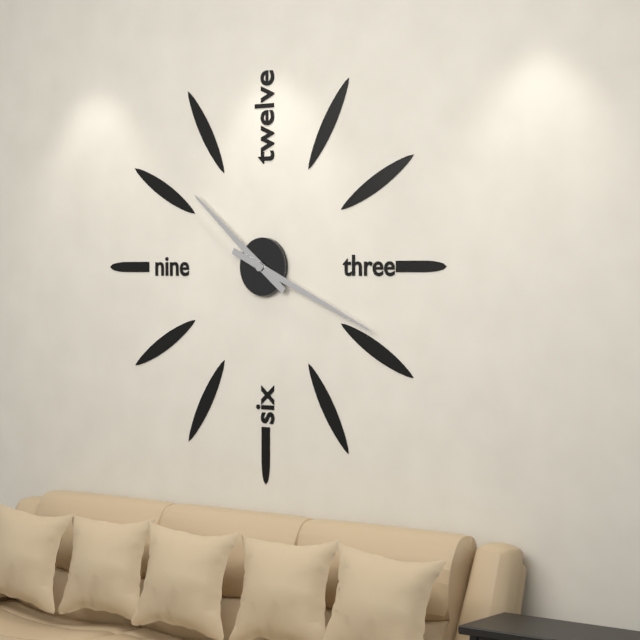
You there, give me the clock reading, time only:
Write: 10:19
